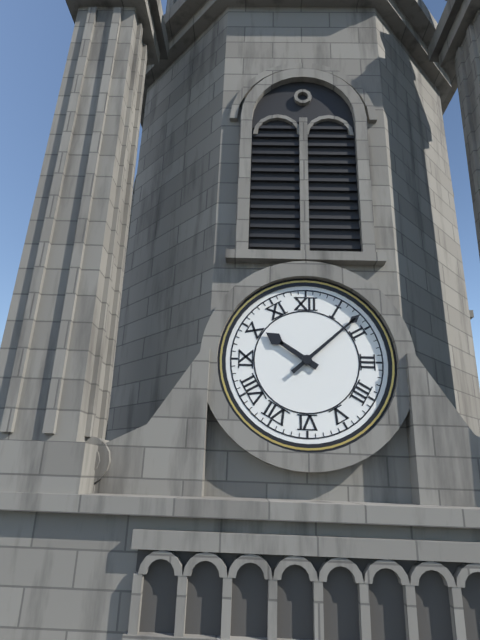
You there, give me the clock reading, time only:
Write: 10:08
